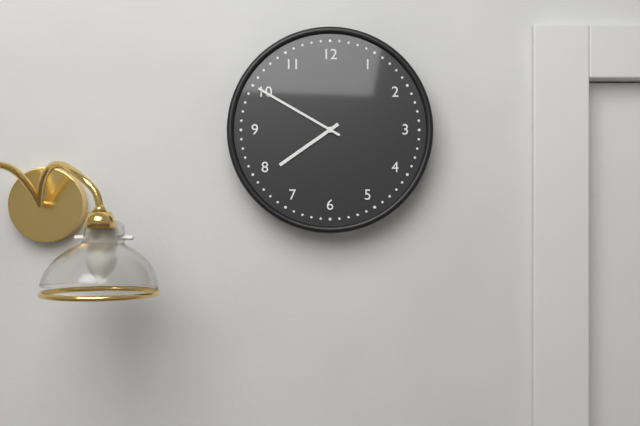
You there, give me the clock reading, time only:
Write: 7:50
